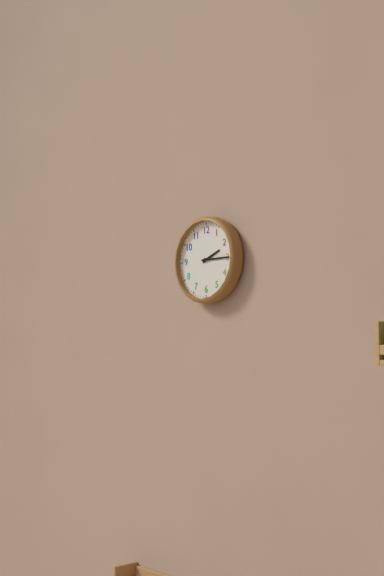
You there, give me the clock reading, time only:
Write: 2:15
